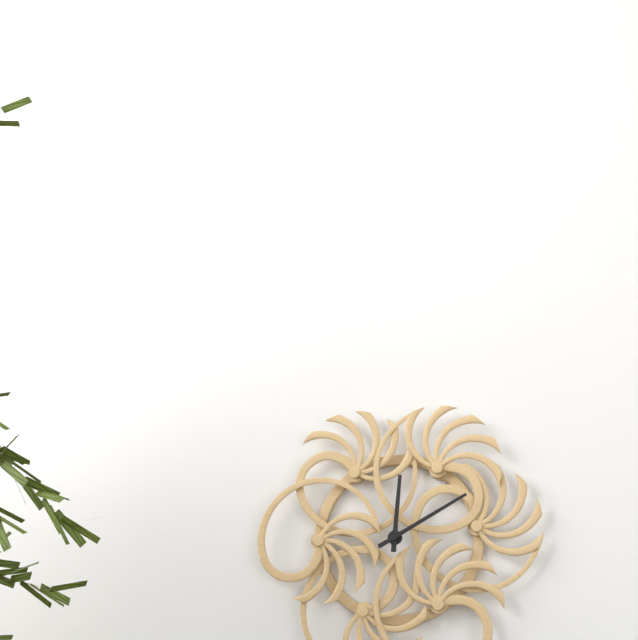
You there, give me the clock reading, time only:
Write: 12:10
